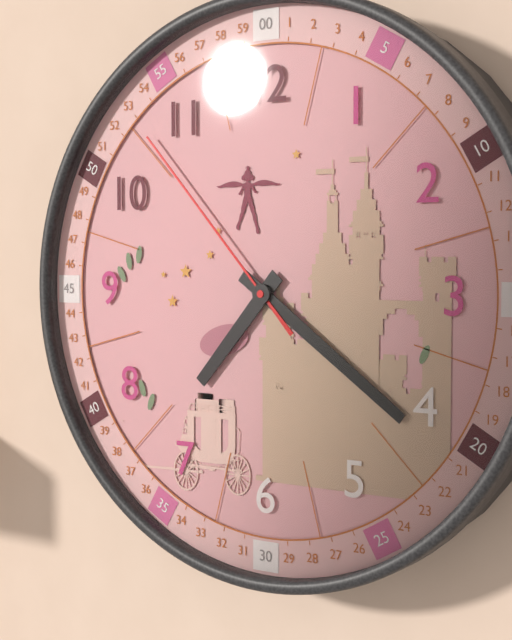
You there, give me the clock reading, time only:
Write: 7:21:53
